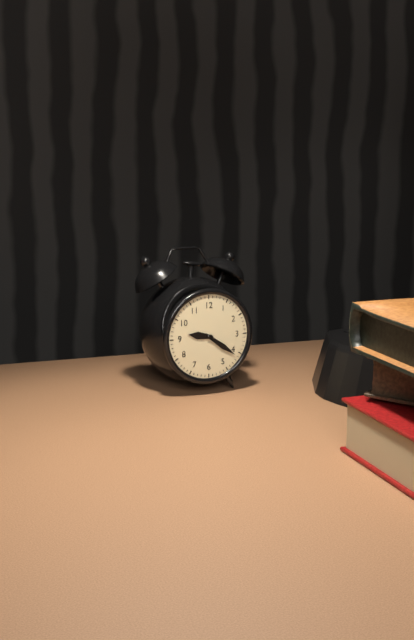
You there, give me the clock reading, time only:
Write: 9:21
